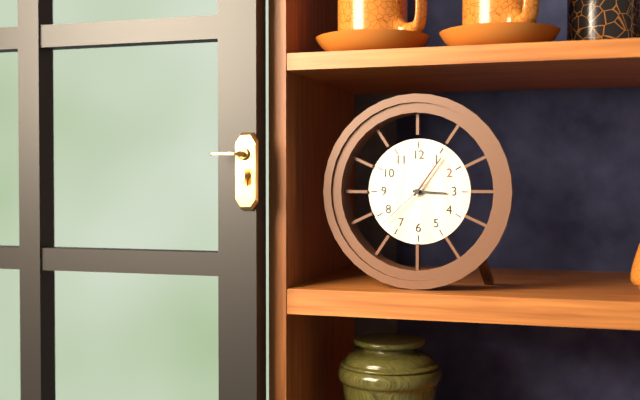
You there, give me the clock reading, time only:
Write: 3:06:38
